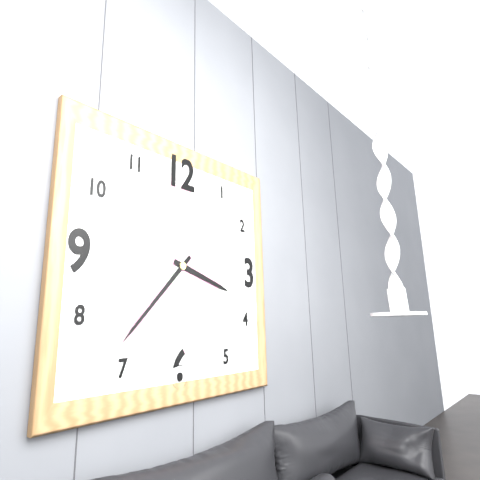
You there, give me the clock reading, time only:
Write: 3:37
